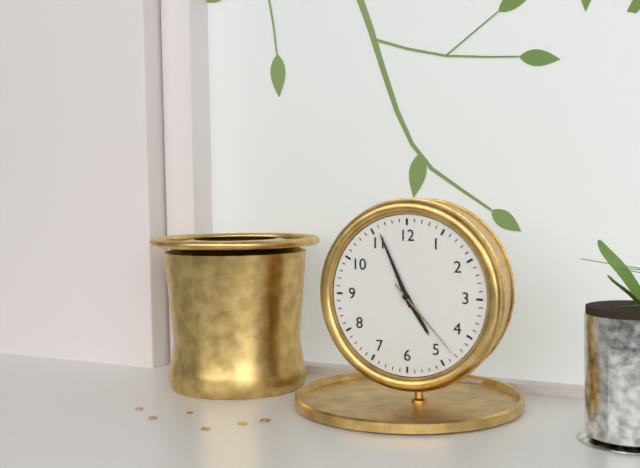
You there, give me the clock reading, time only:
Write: 4:56:23
